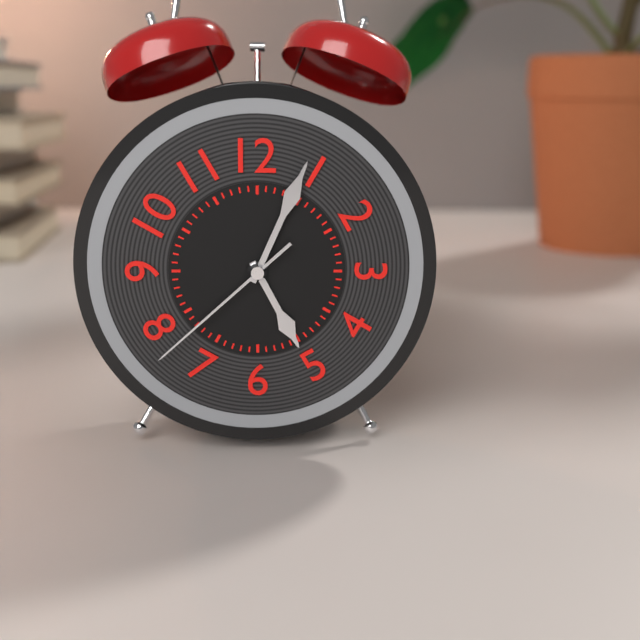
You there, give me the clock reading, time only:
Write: 5:04:38
